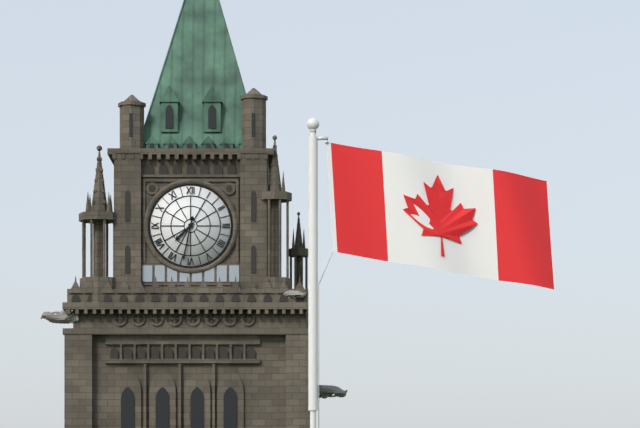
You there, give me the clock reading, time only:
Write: 7:32
